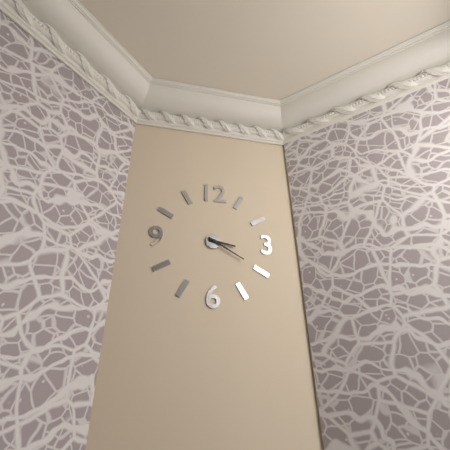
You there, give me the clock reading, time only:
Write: 3:20
